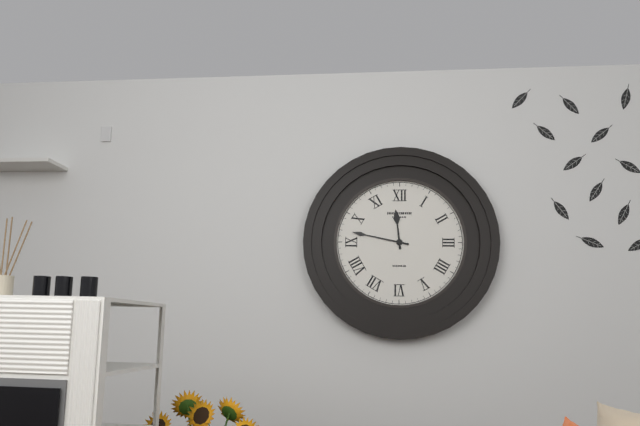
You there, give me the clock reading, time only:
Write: 11:47
